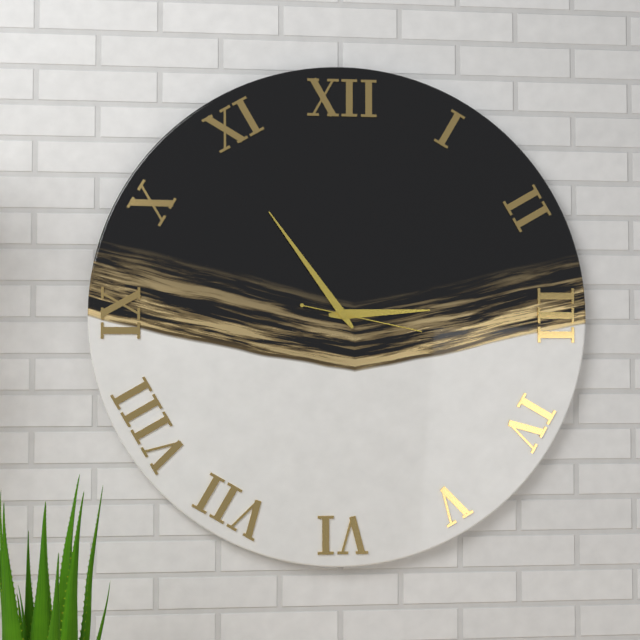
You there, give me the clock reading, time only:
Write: 2:54:17
